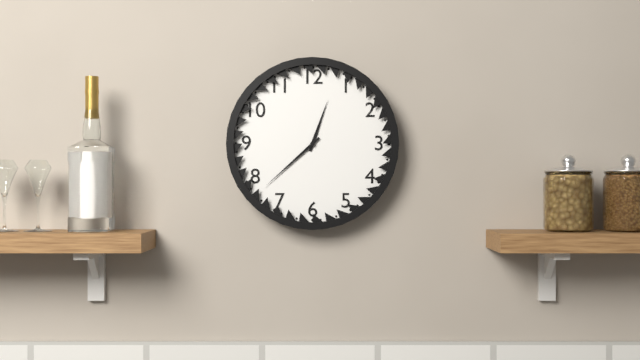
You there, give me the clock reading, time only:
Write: 12:38
